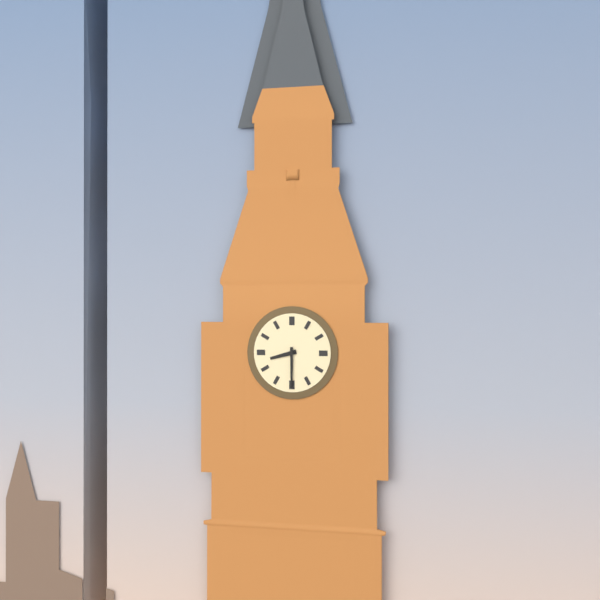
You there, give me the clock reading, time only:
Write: 8:30
